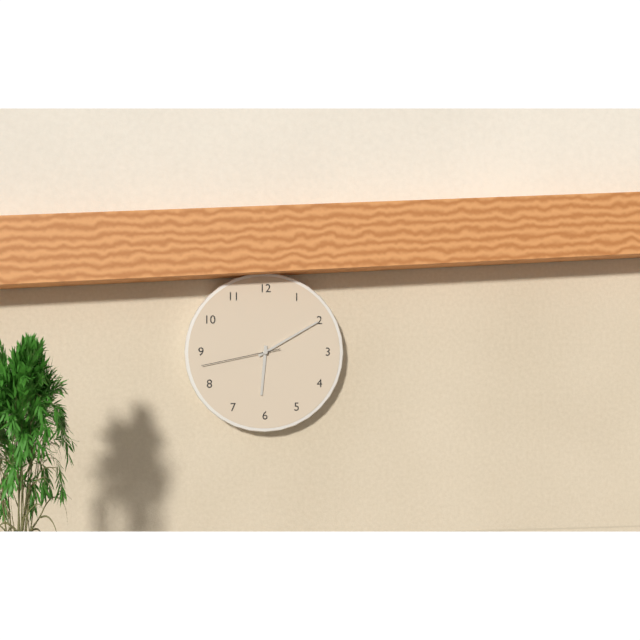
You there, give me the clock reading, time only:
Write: 6:10:43
